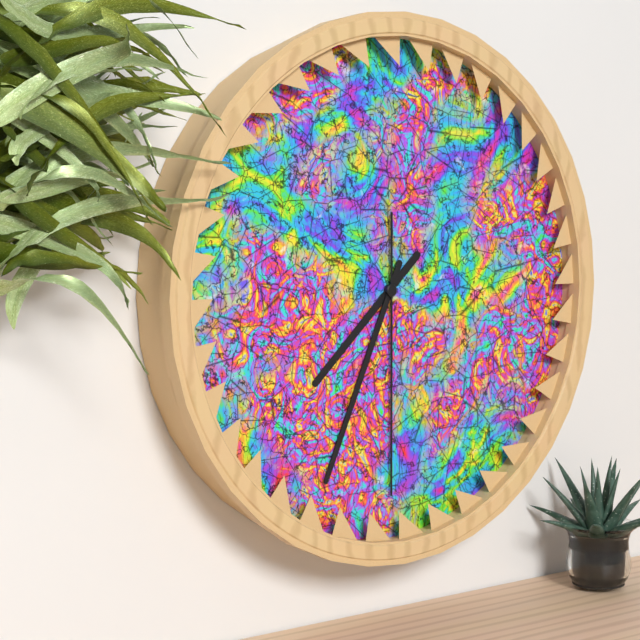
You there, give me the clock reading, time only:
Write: 7:34:30
